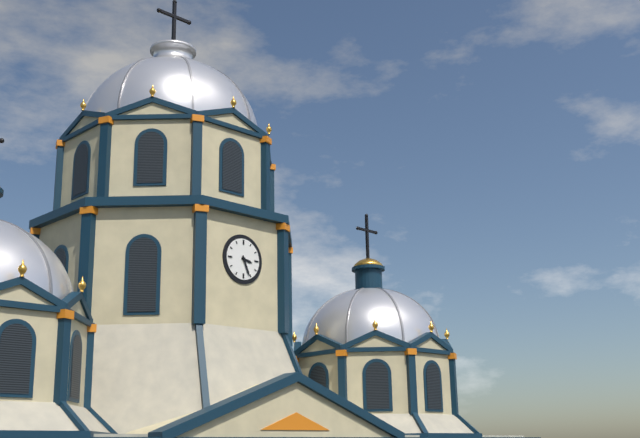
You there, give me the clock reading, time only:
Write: 3:26
